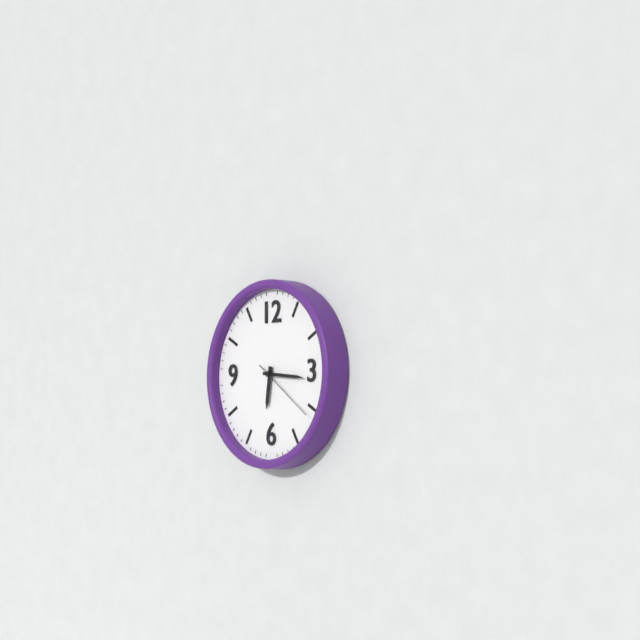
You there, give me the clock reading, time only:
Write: 6:16:21
